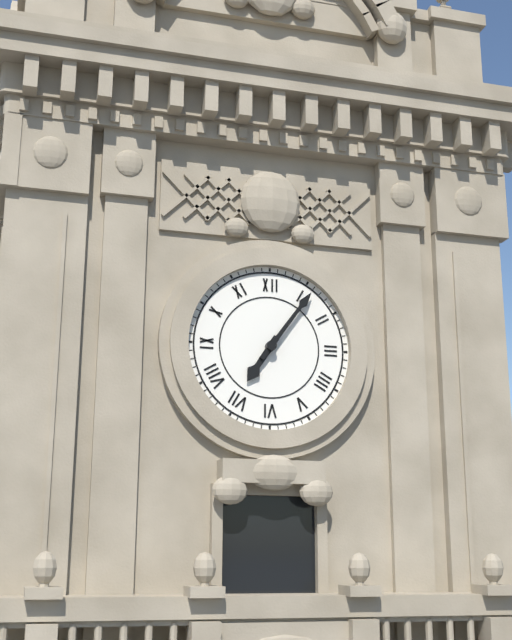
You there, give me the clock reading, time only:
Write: 7:06
